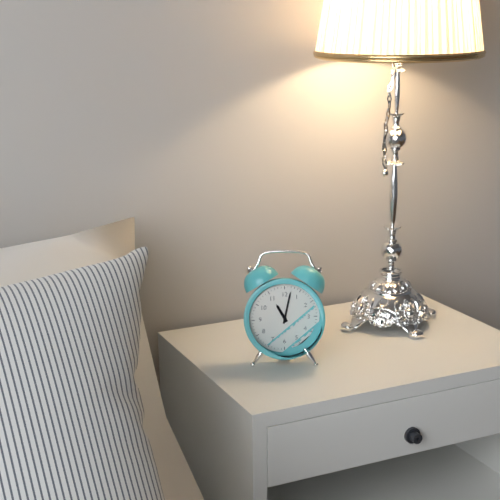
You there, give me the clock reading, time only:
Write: 11:02
